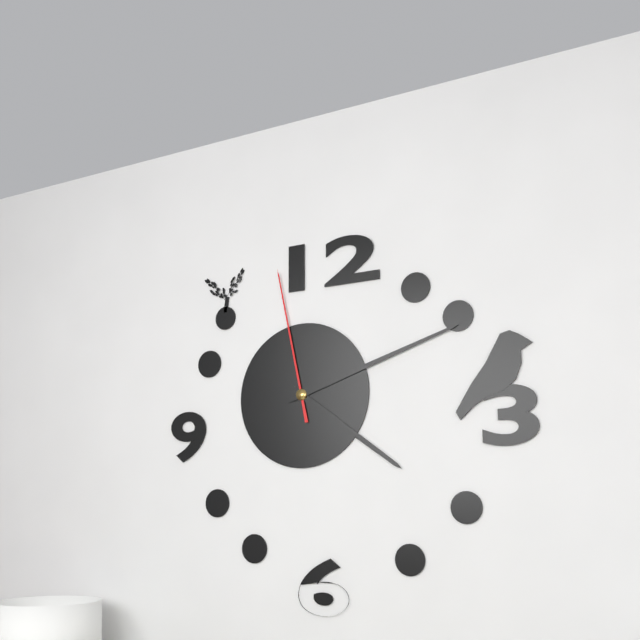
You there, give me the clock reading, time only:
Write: 4:12:58
